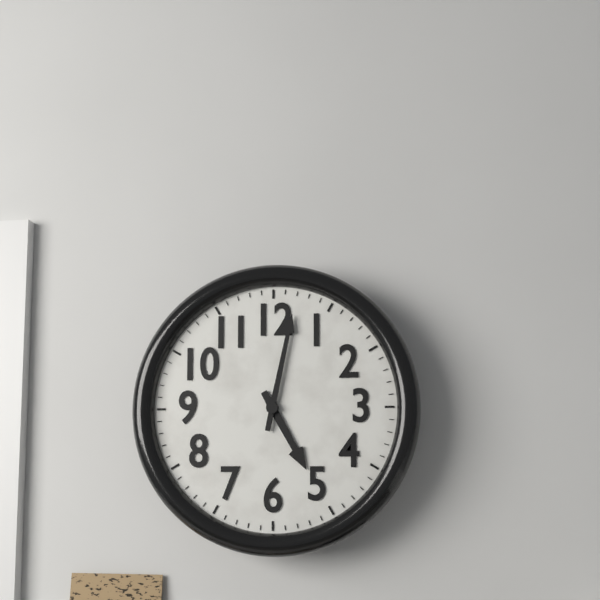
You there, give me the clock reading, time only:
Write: 5:02
